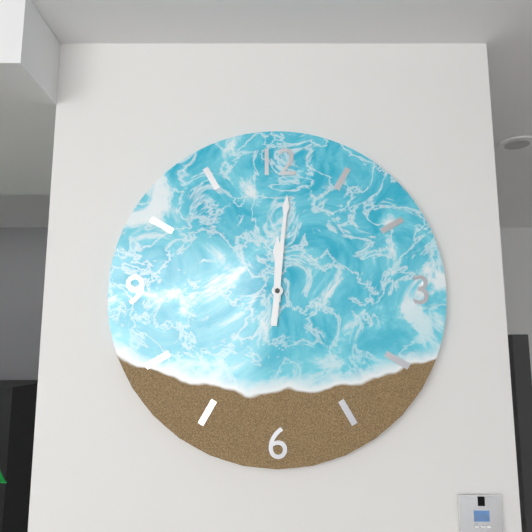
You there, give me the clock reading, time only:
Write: 12:01
